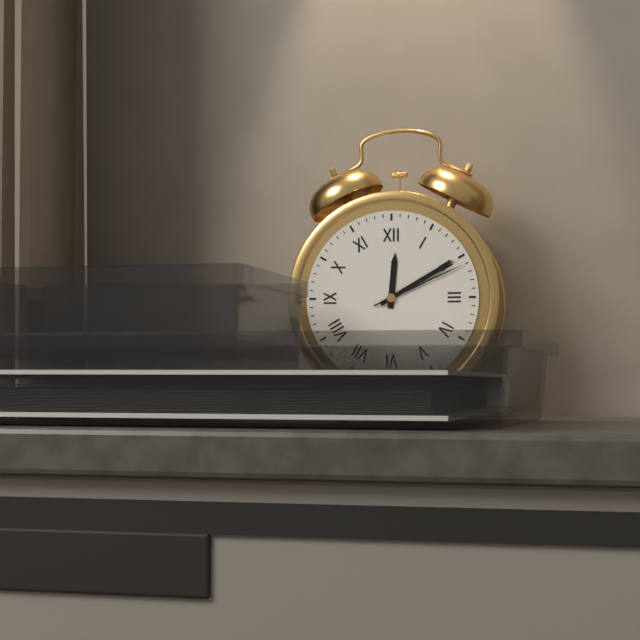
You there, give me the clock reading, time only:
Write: 12:10:11
